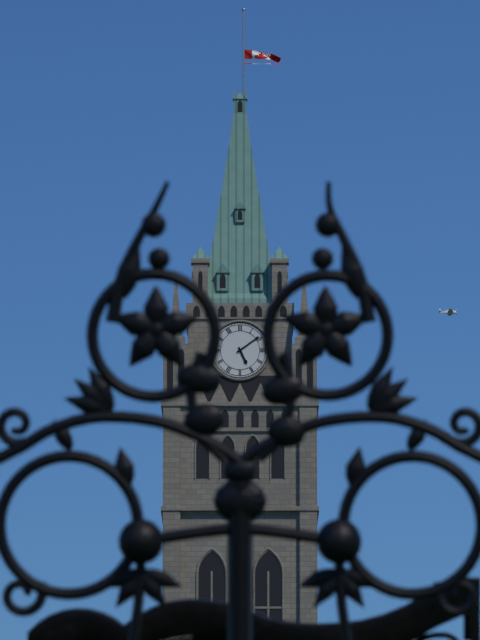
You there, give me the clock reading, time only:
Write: 5:09
